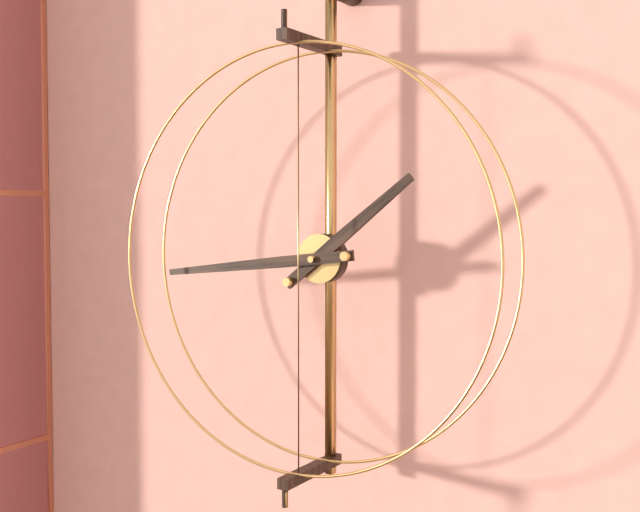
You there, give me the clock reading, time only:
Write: 1:44
